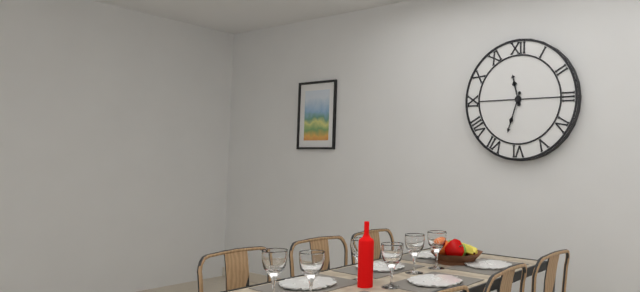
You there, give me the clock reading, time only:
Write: 11:33
